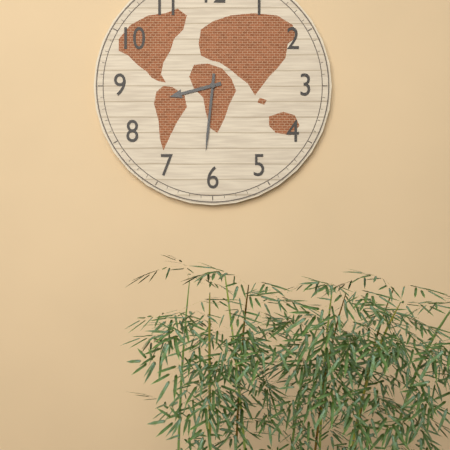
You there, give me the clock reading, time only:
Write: 8:31
